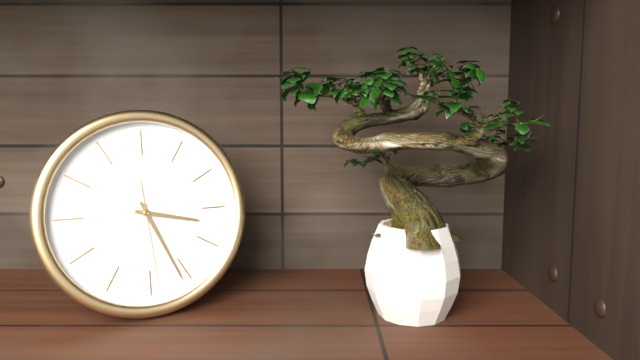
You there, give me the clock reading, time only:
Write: 3:26:29
